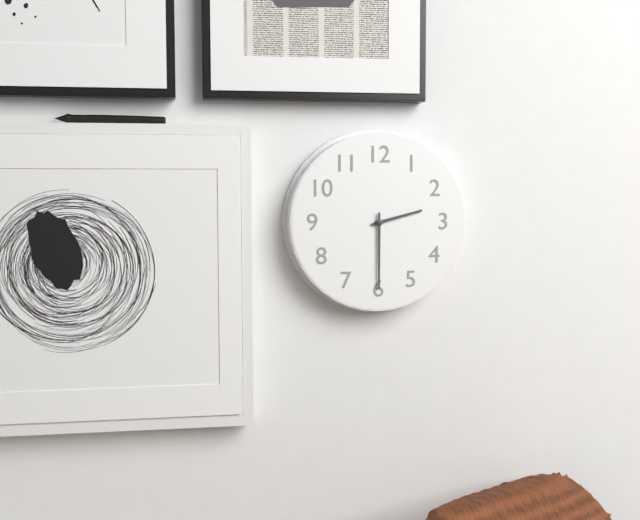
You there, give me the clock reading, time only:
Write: 2:30
